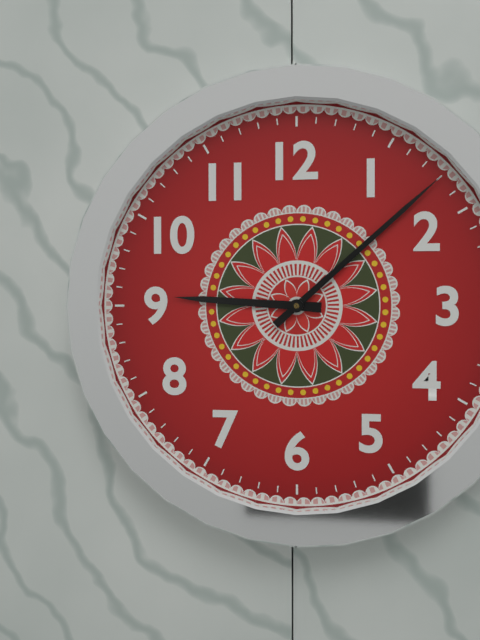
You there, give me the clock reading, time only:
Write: 9:08
